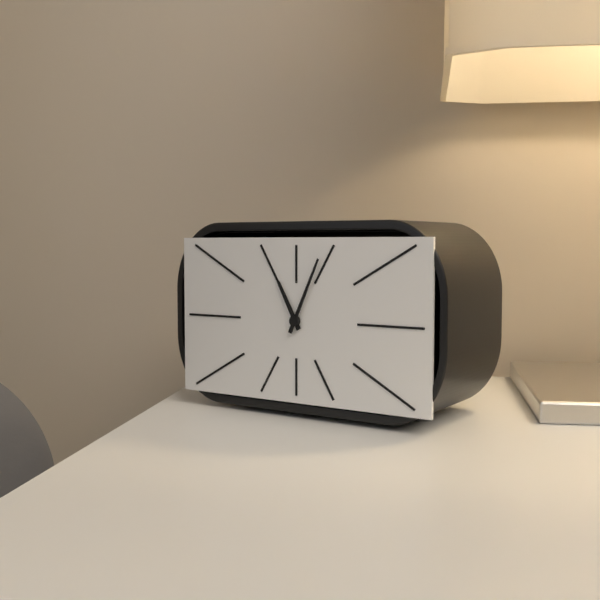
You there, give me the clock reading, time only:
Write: 11:04
